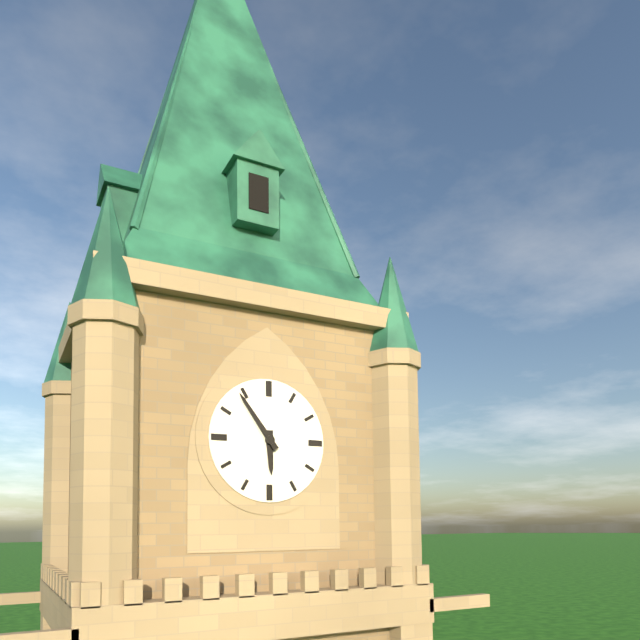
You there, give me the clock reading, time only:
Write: 5:54
